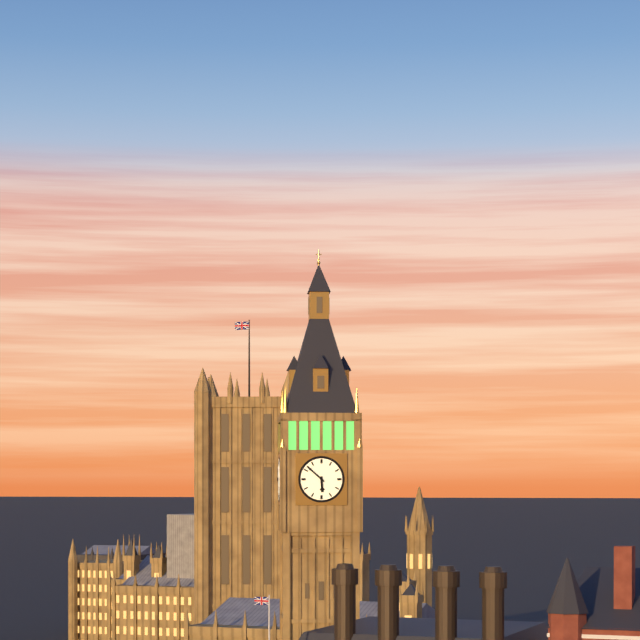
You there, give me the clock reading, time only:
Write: 5:52
